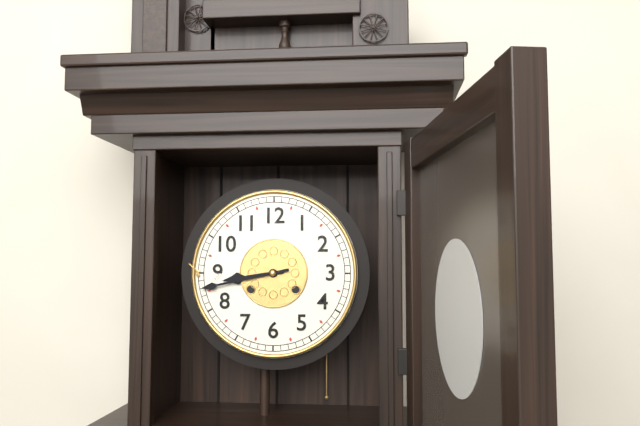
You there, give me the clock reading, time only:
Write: 8:43
